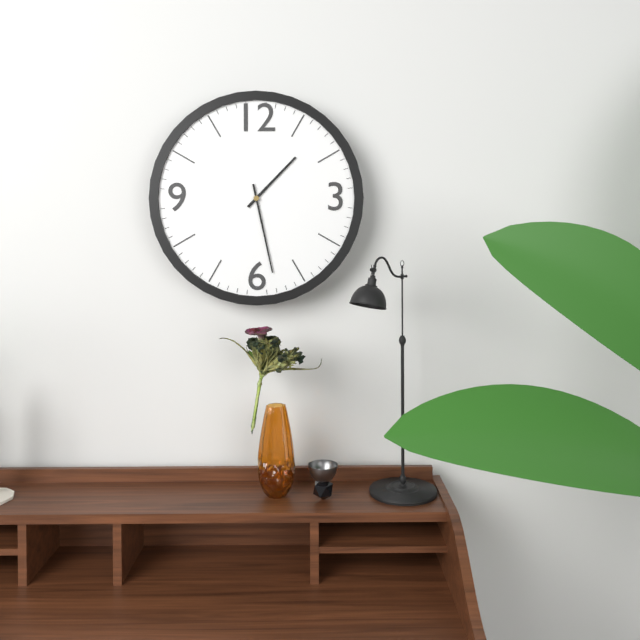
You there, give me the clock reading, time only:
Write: 1:28
